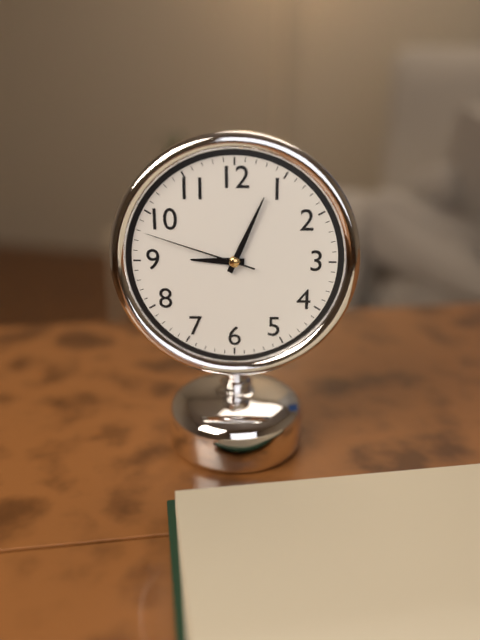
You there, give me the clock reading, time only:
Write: 9:04:48
